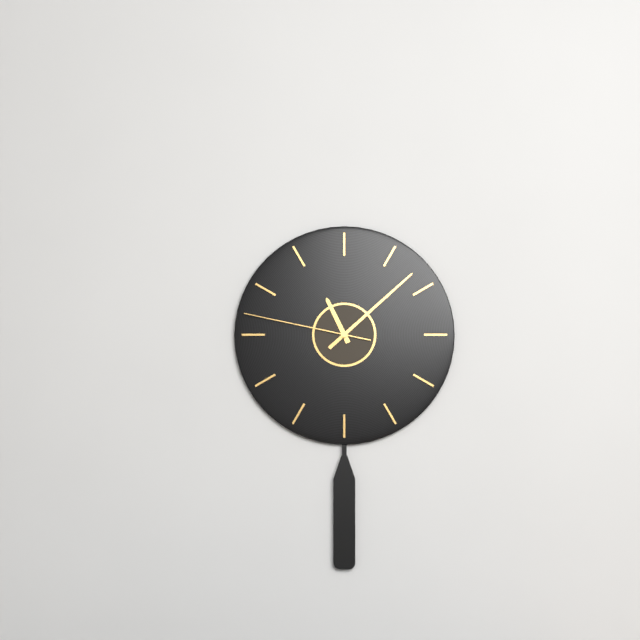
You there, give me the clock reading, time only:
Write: 11:08:47
